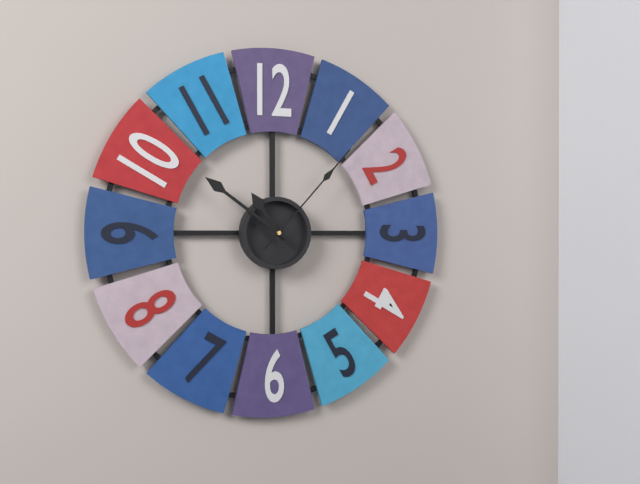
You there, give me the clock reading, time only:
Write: 10:51:07
